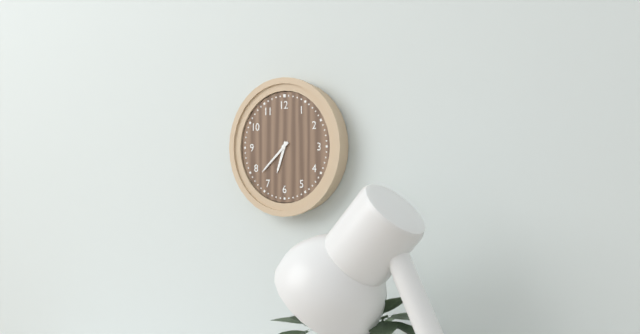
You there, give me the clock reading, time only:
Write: 6:38
